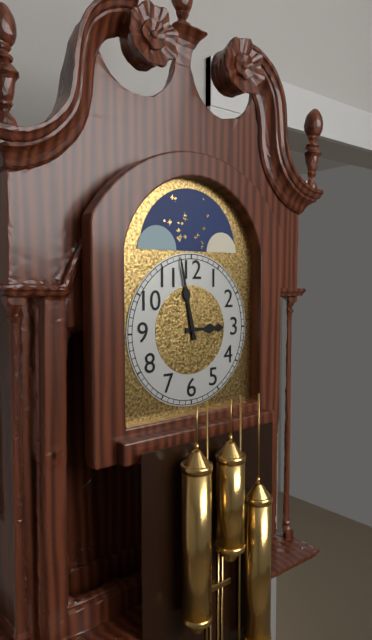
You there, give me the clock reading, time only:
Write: 2:58
